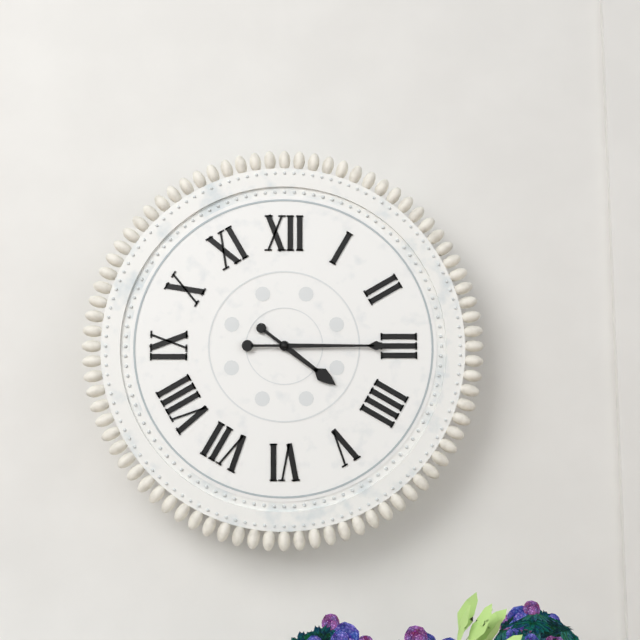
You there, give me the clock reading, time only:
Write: 4:15
